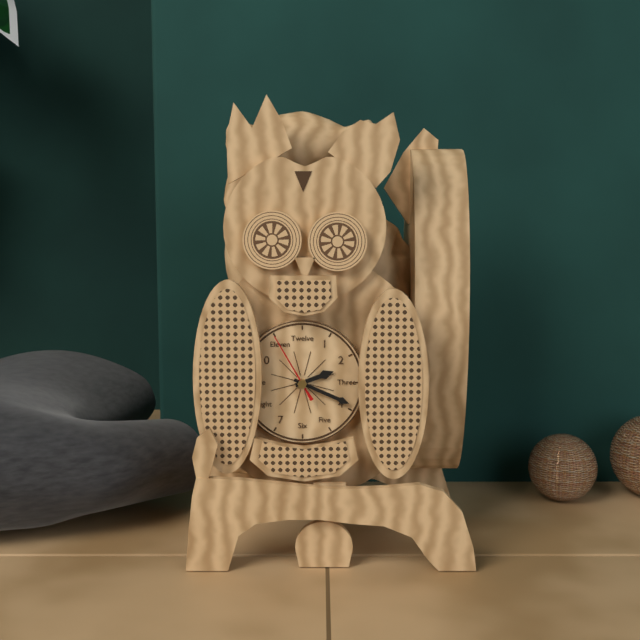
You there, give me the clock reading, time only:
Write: 2:19:55
